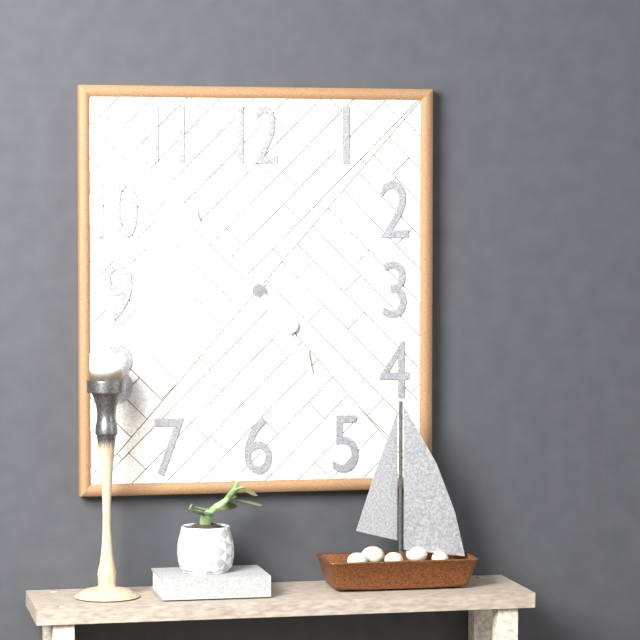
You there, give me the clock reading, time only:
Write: 4:53
